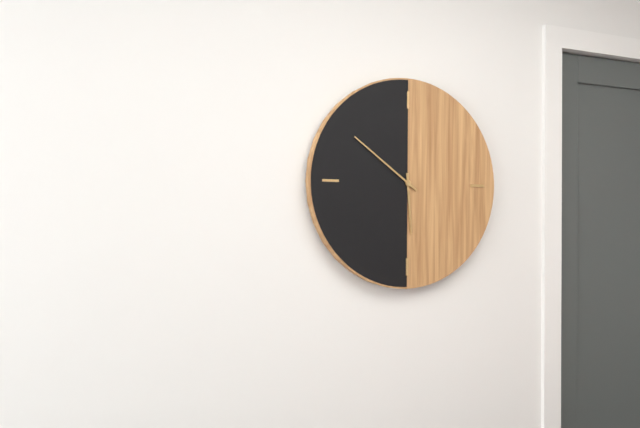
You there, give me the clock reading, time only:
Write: 5:51
